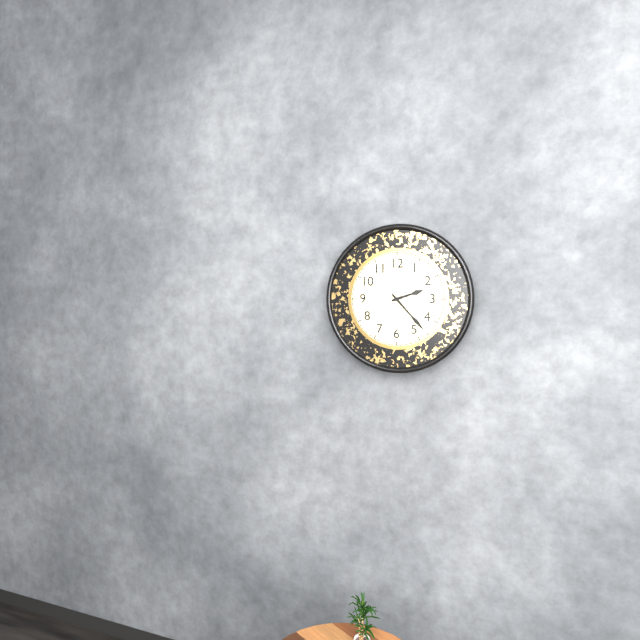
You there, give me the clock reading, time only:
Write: 2:23
